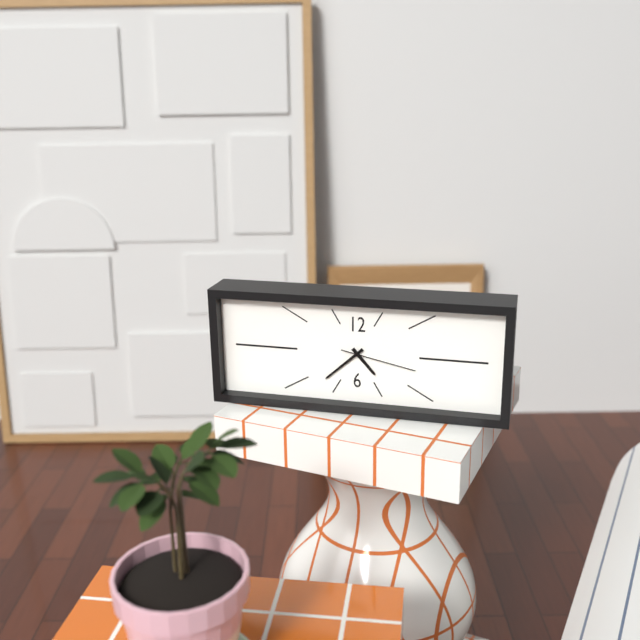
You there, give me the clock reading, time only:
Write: 4:38:17
